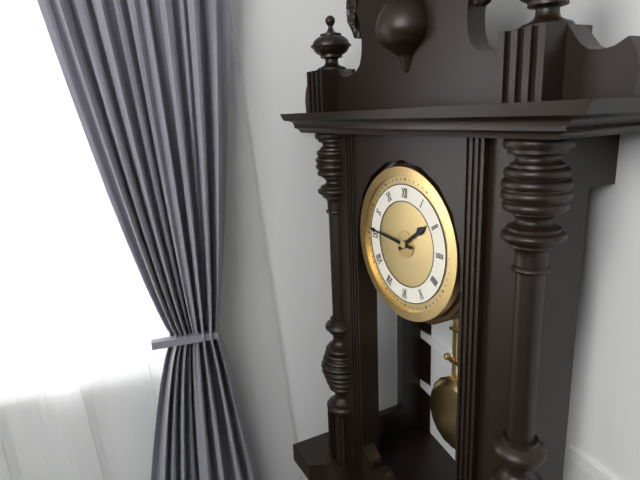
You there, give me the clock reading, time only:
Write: 1:46
